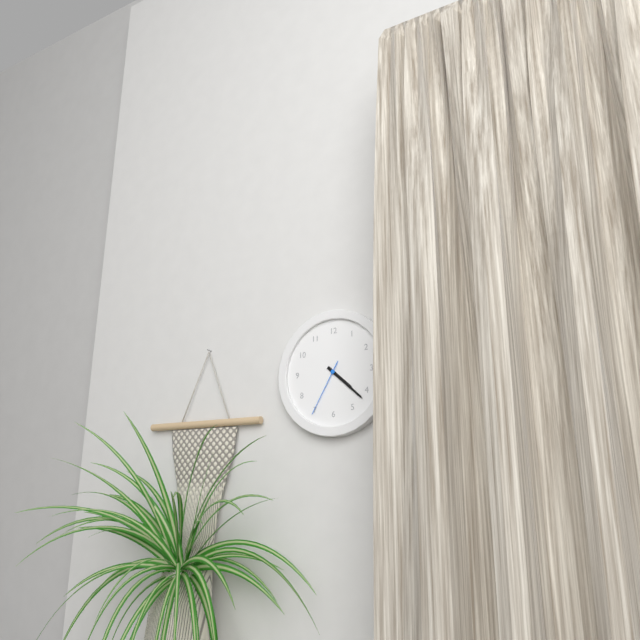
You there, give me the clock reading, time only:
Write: 4:22:35
